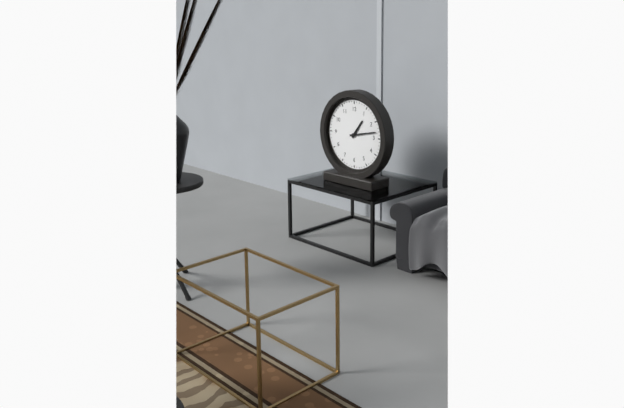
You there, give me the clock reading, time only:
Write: 1:13
